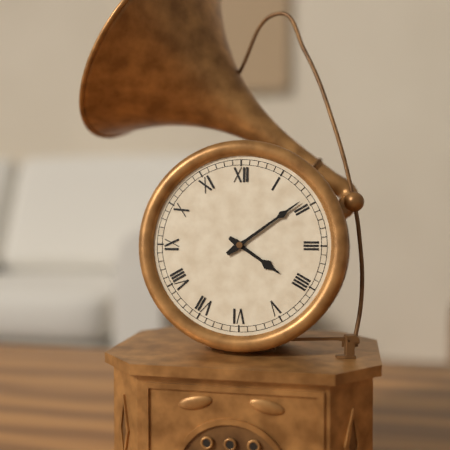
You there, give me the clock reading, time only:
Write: 4:09
